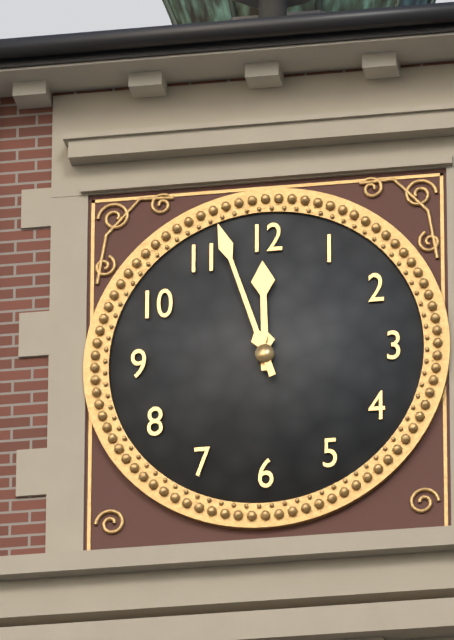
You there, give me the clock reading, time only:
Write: 11:57
